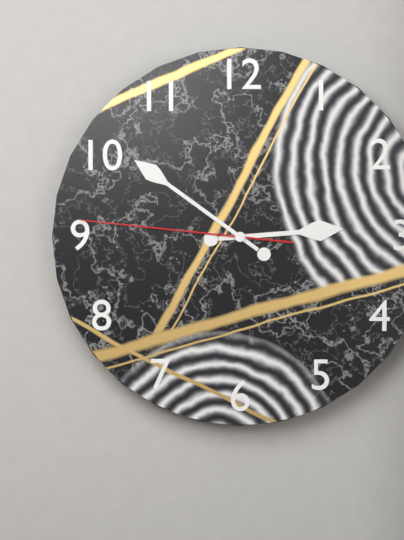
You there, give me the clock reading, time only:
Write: 2:51:46
